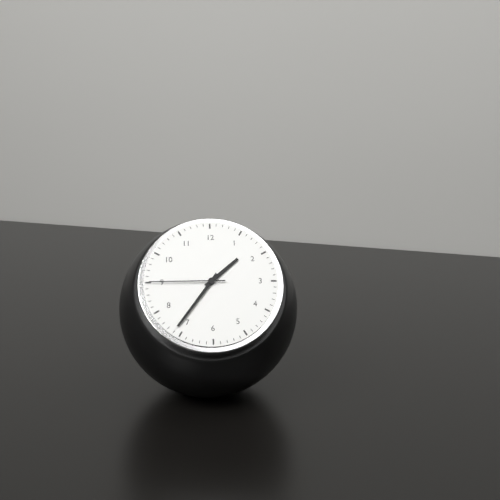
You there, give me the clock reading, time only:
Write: 1:36:45
